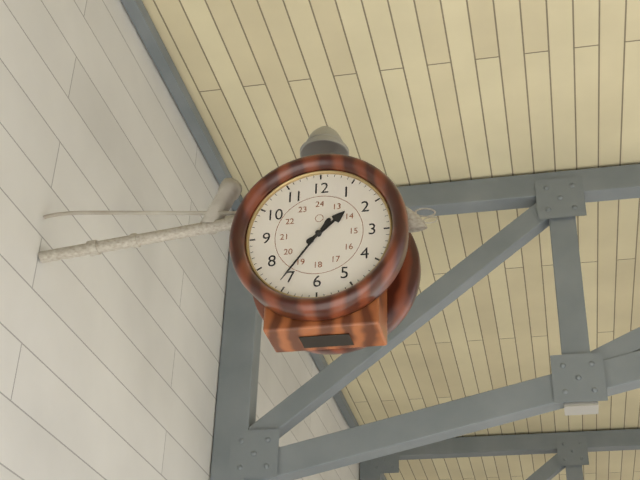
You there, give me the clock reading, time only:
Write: 1:36
